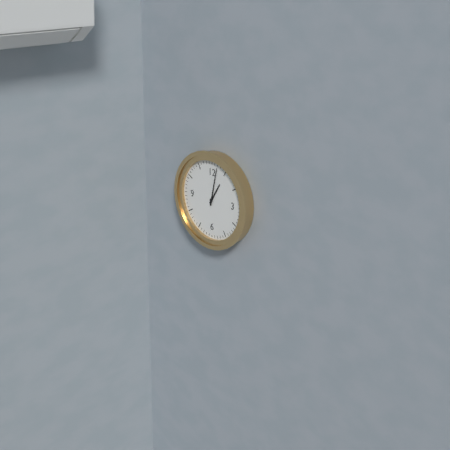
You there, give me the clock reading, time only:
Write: 1:02
